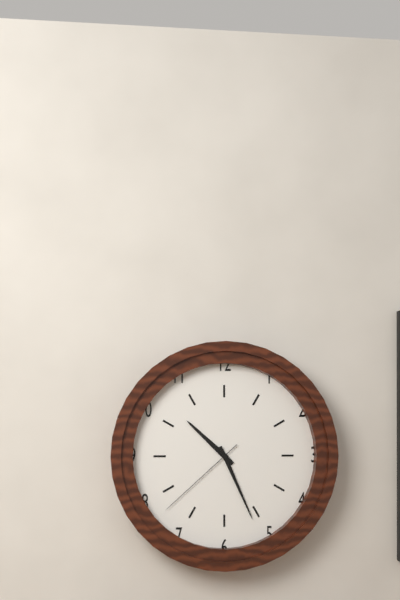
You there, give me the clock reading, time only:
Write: 10:26:38
